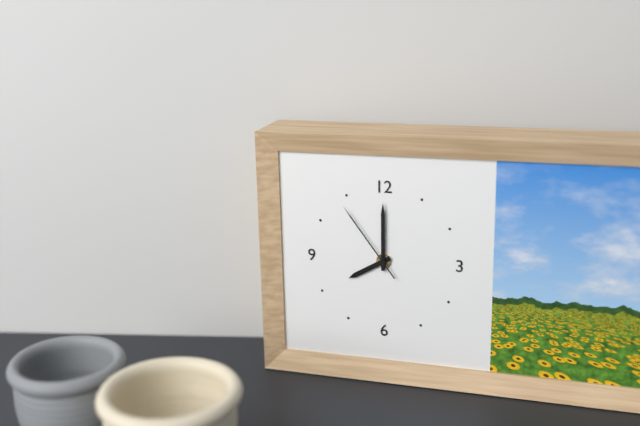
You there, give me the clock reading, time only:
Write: 8:00:54
